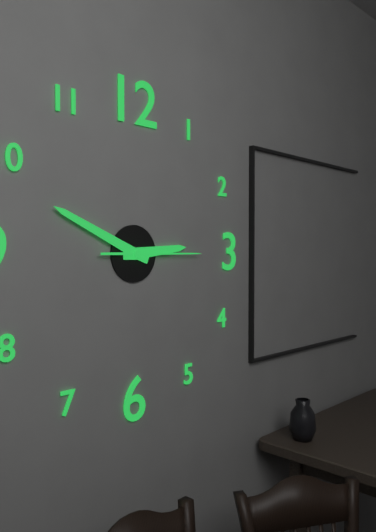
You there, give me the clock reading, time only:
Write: 2:49:15
